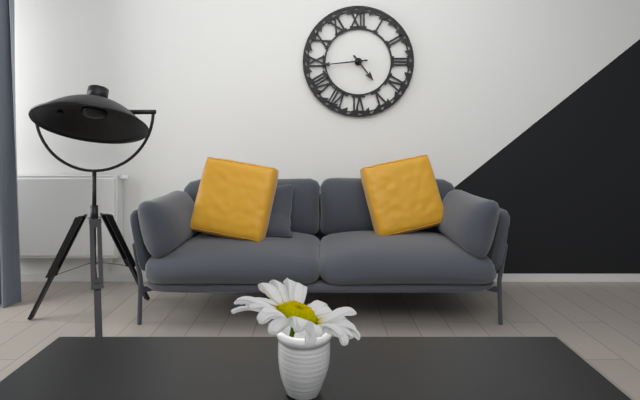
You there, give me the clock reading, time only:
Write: 4:44
